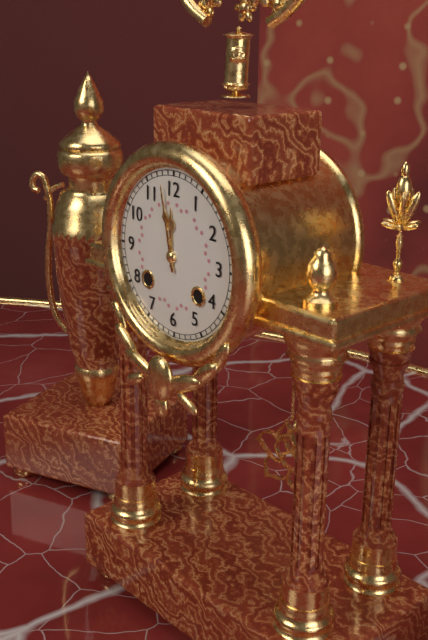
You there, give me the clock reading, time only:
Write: 11:58
